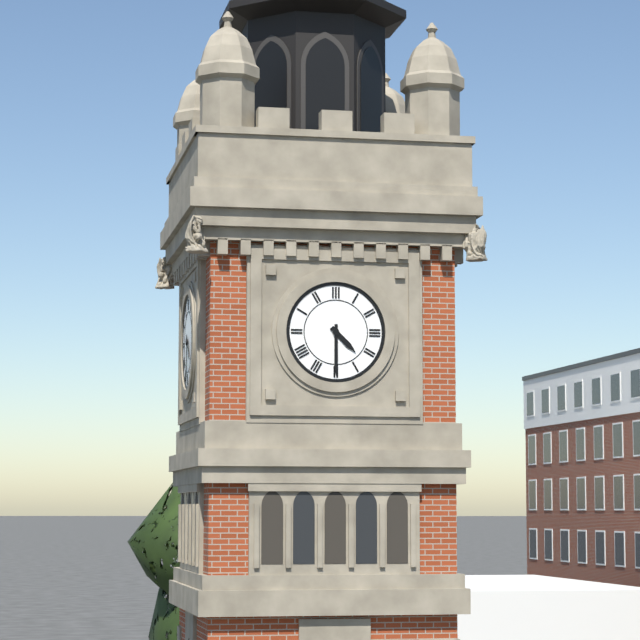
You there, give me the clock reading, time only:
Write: 4:30
